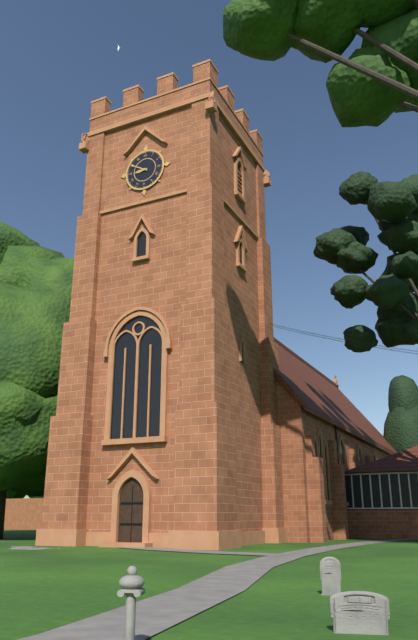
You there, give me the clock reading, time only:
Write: 8:50
